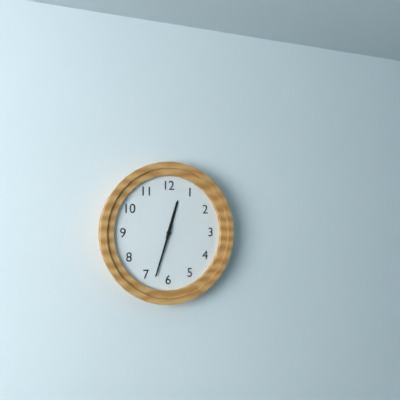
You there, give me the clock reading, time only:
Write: 12:33
